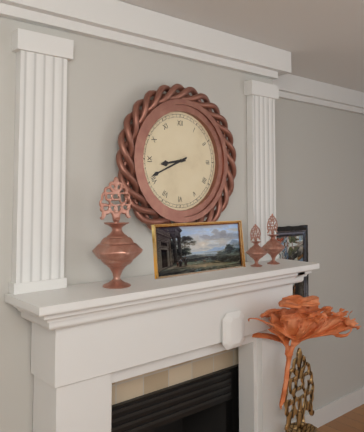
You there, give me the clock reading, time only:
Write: 8:41
